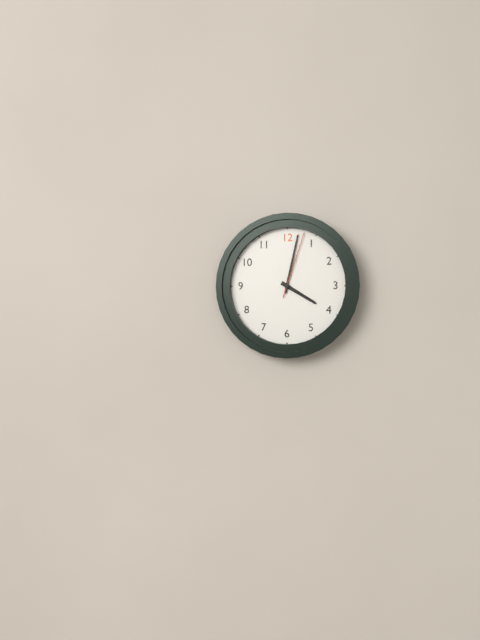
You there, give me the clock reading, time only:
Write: 4:02:03
